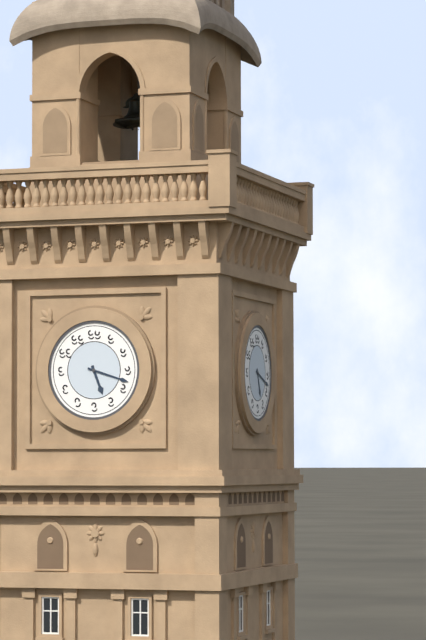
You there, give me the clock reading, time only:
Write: 5:18
